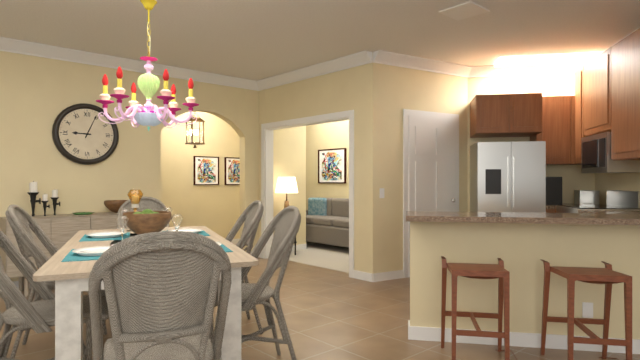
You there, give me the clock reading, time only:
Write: 9:04
